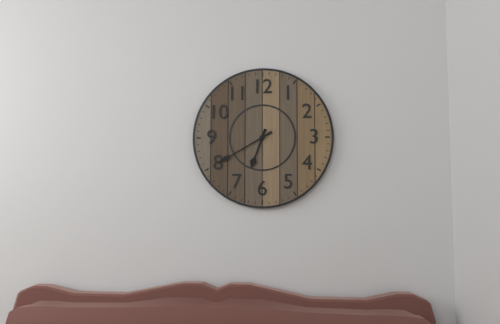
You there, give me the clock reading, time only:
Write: 6:40
